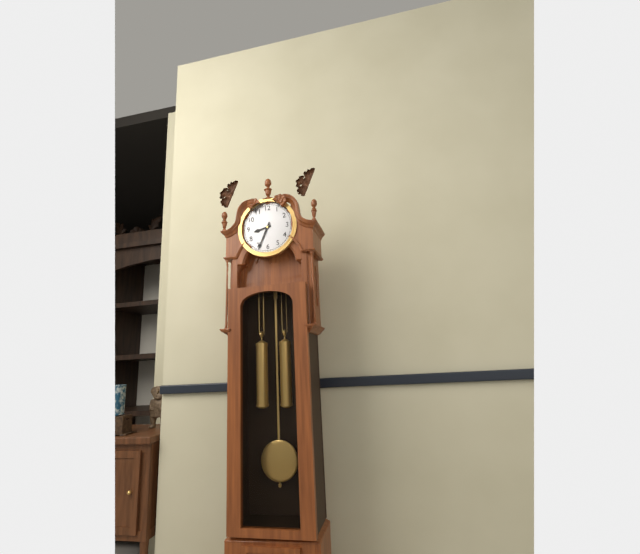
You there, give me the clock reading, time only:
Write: 8:34
